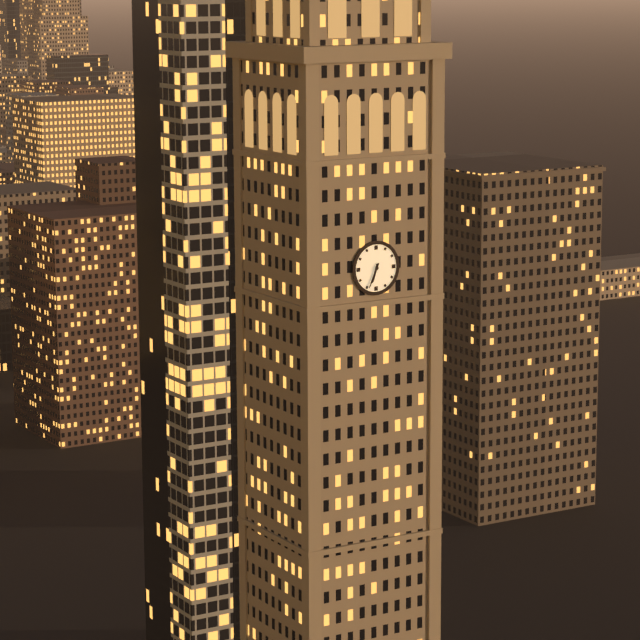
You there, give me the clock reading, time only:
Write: 6:34
